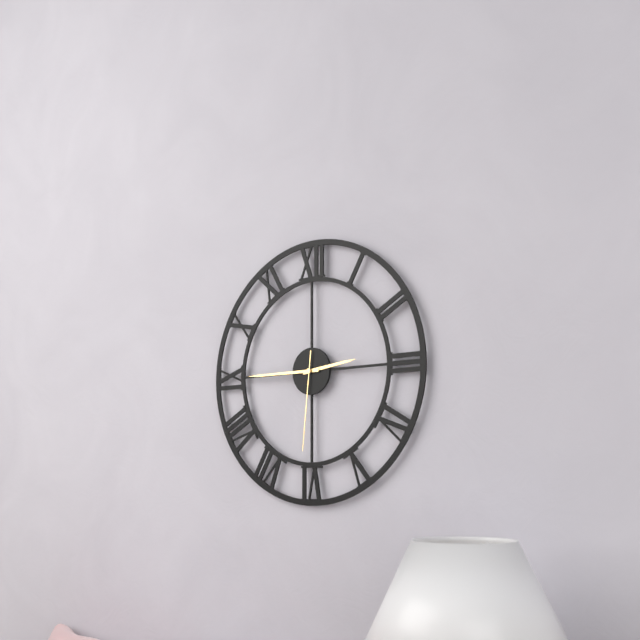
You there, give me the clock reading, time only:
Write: 2:45:31
